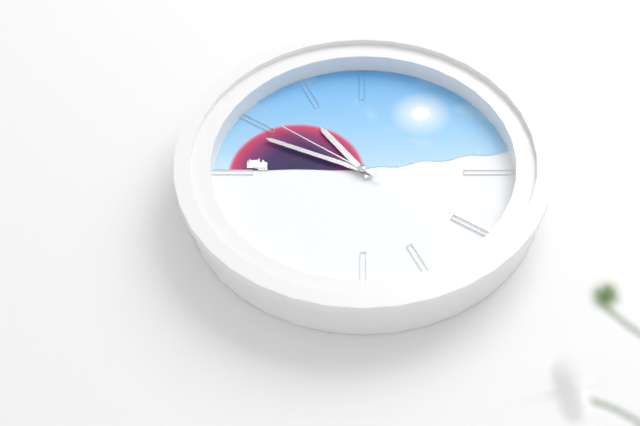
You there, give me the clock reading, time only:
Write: 10:49:51
